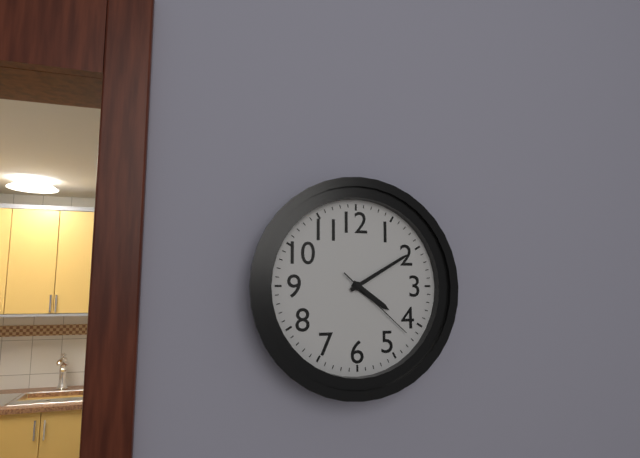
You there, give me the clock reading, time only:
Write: 4:10:22
